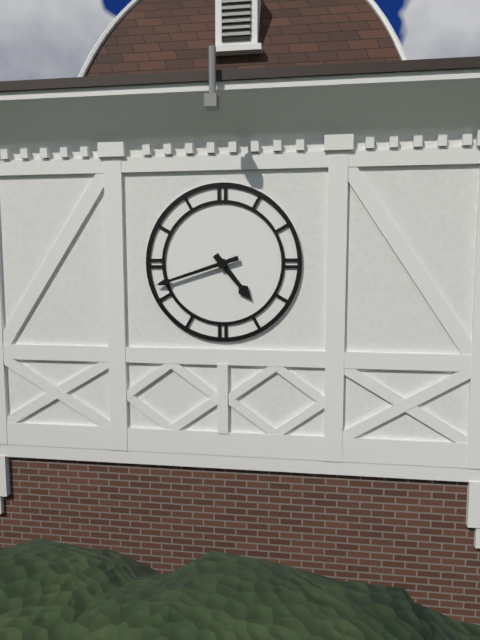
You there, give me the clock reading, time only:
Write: 4:42
